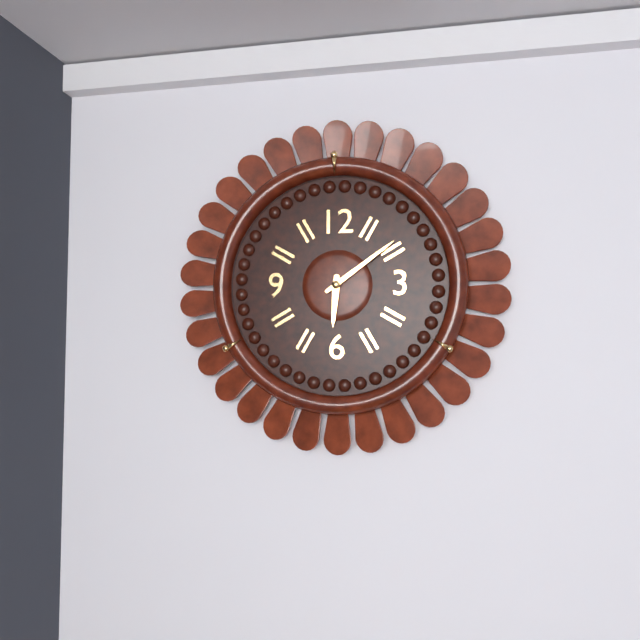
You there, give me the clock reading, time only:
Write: 6:09
